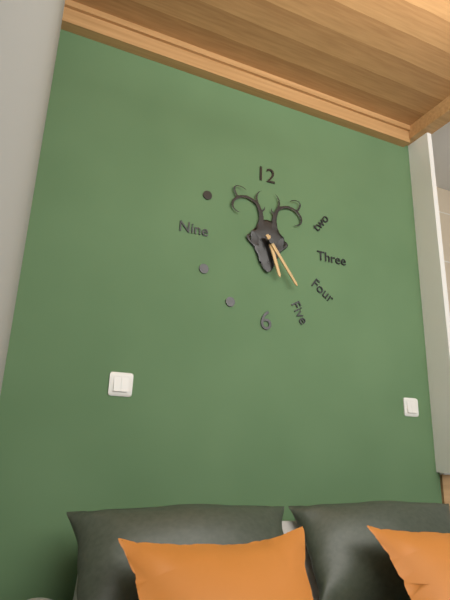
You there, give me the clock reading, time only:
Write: 5:24
